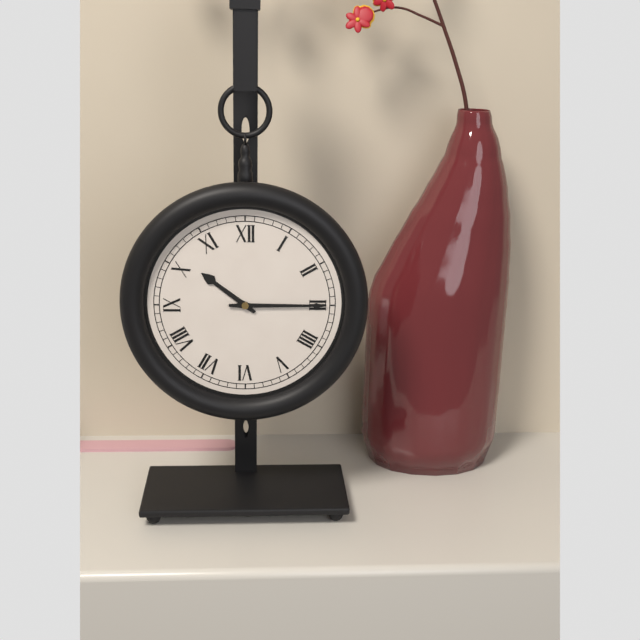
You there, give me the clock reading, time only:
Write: 10:15
